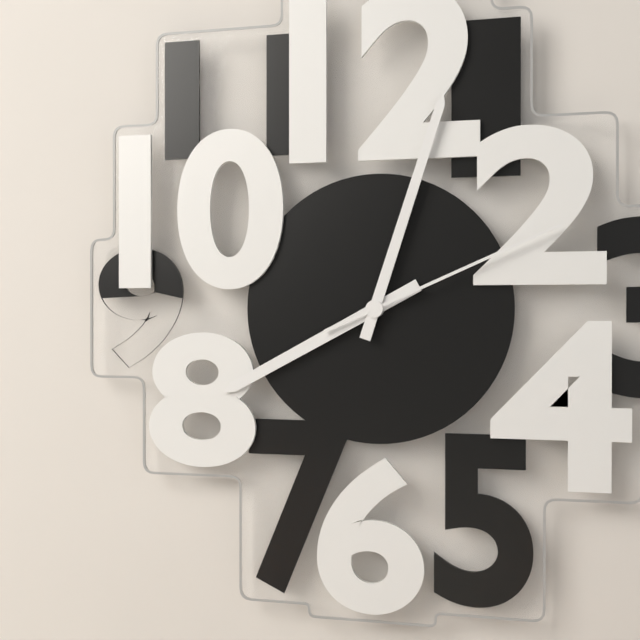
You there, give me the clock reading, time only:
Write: 8:03:11
